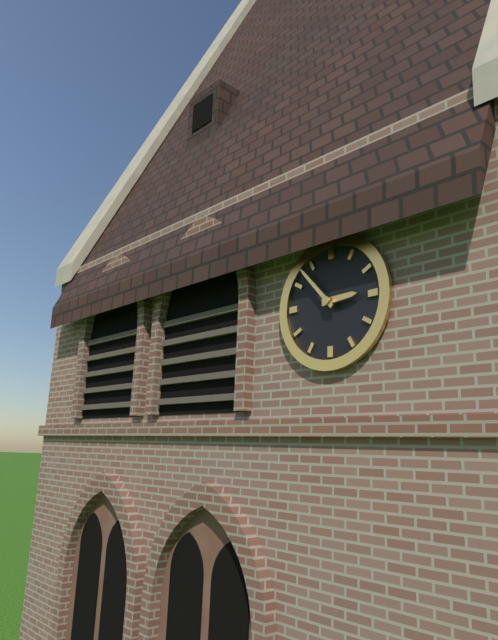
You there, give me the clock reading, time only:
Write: 2:53
